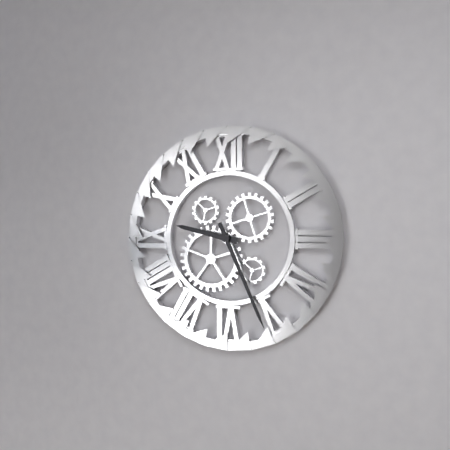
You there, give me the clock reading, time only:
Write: 9:26
